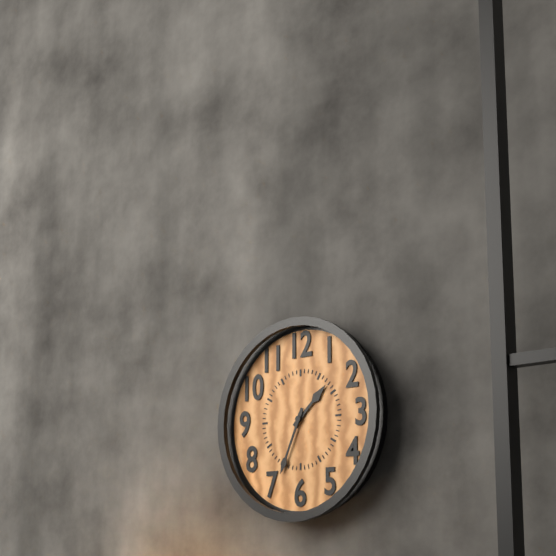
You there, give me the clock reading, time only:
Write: 1:34
